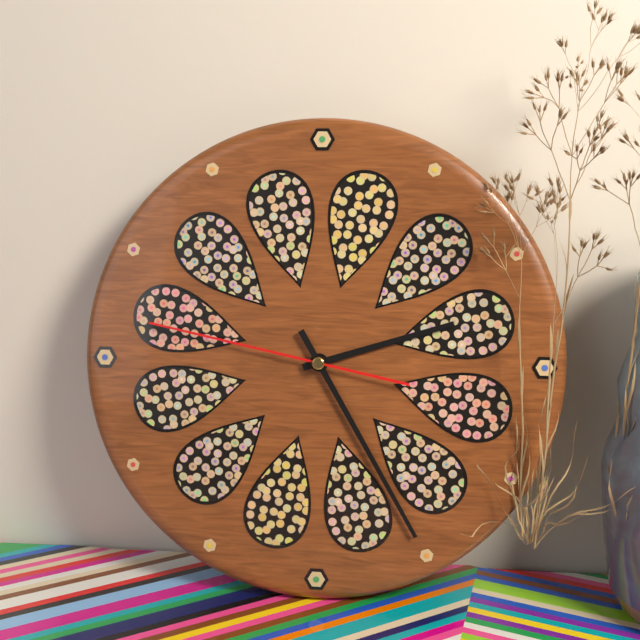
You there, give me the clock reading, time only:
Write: 2:25:47
